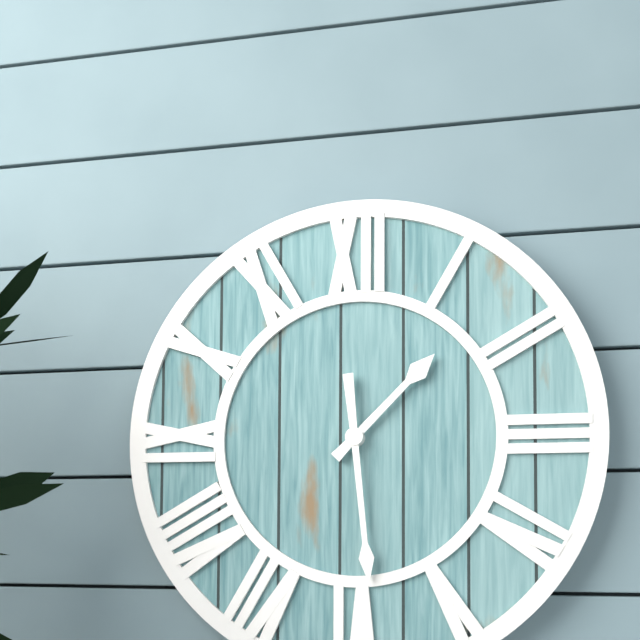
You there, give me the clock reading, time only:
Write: 1:29
